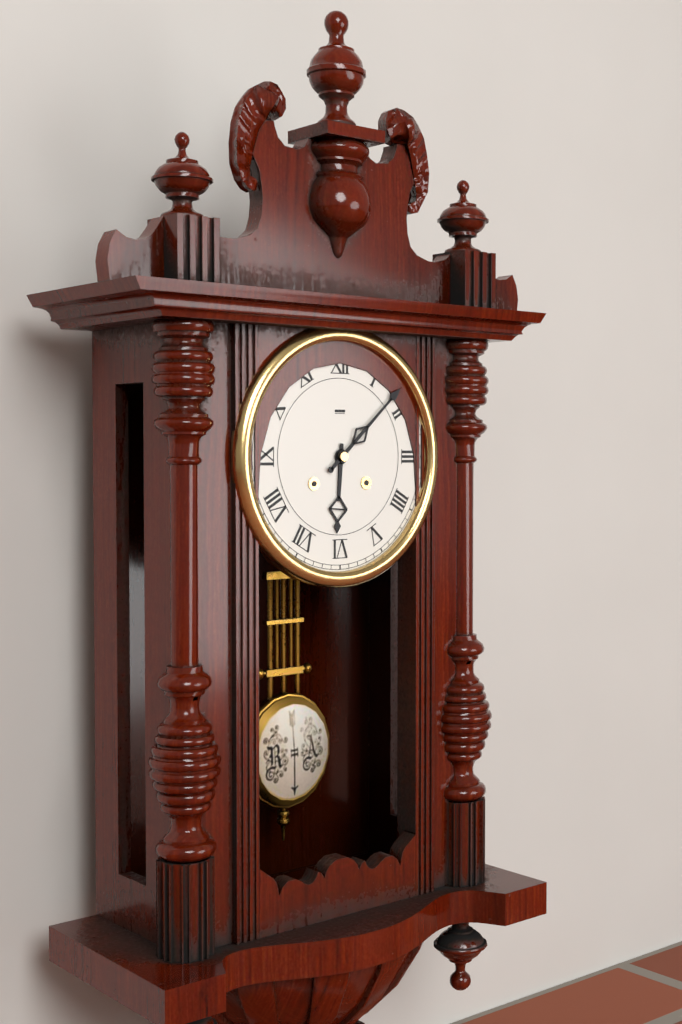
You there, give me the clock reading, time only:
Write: 6:08
